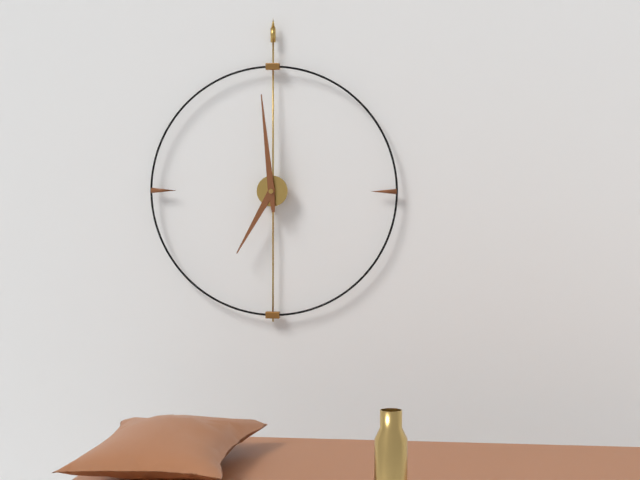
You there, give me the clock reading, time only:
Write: 6:59
